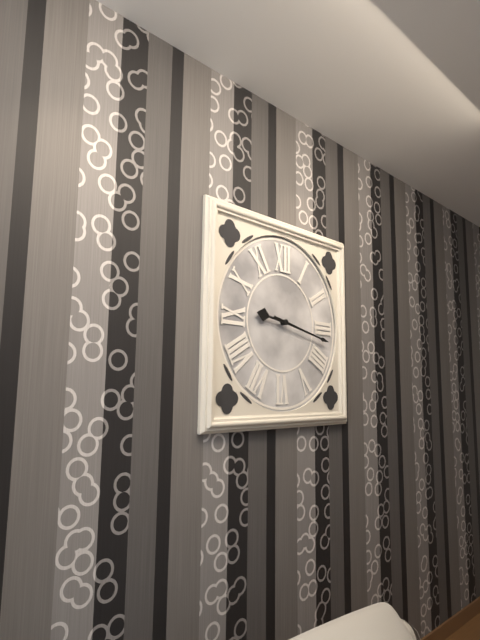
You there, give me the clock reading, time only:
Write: 9:17
